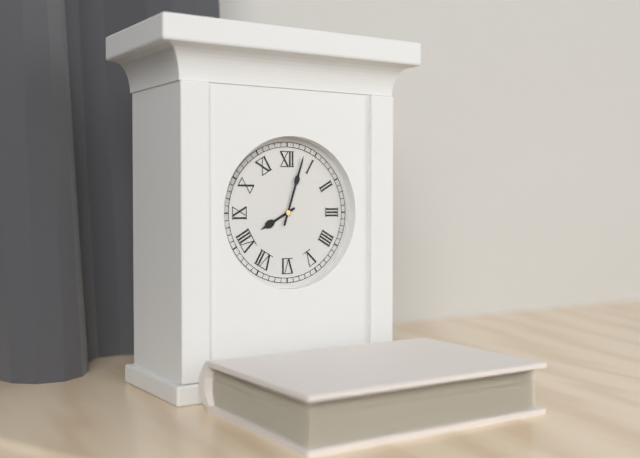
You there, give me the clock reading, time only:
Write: 8:03
